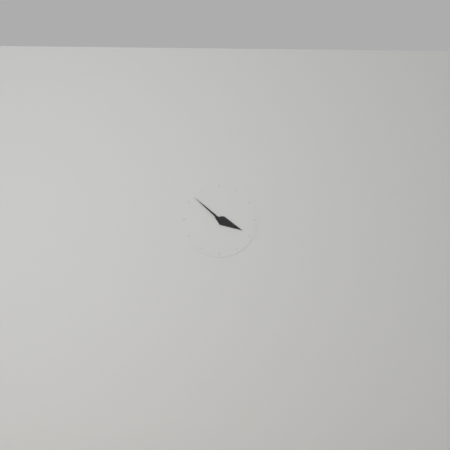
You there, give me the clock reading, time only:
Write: 3:52
